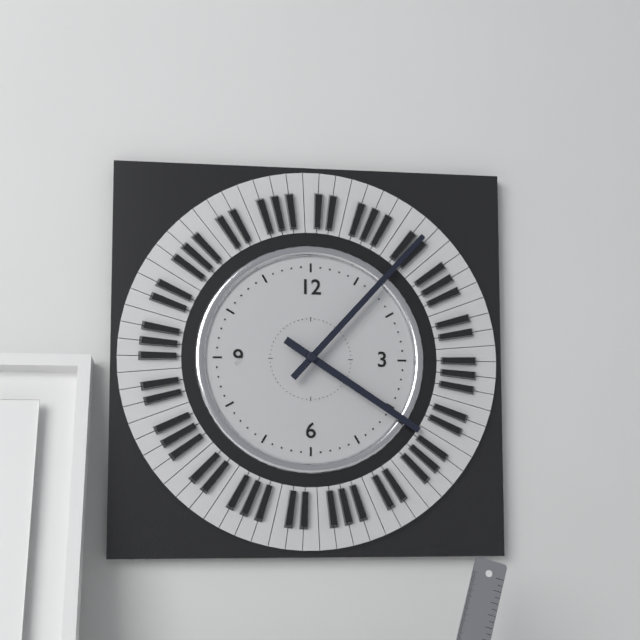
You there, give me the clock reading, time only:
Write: 4:07
